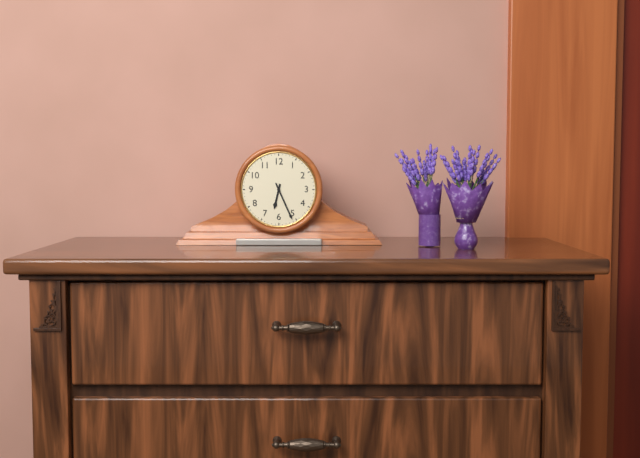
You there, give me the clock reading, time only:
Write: 6:26
